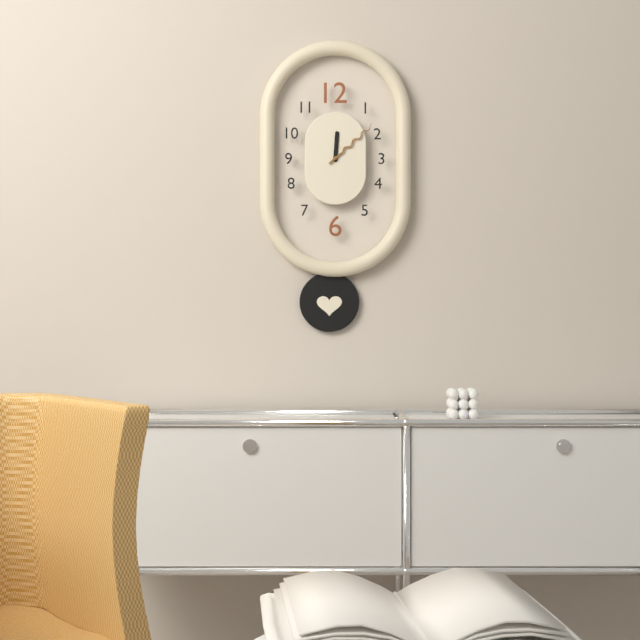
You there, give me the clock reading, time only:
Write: 12:08
